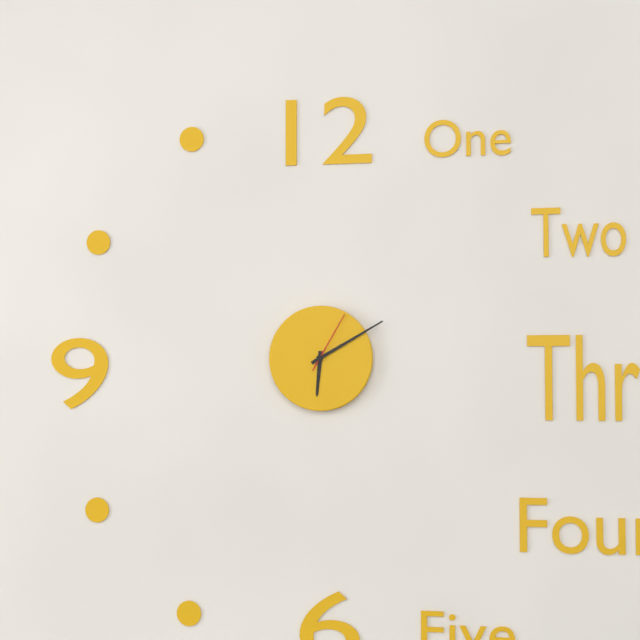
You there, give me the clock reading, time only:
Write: 6:10:05
